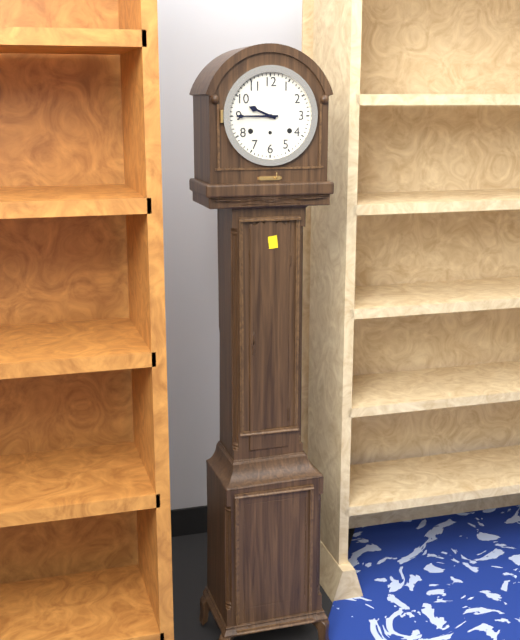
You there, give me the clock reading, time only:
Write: 9:45
